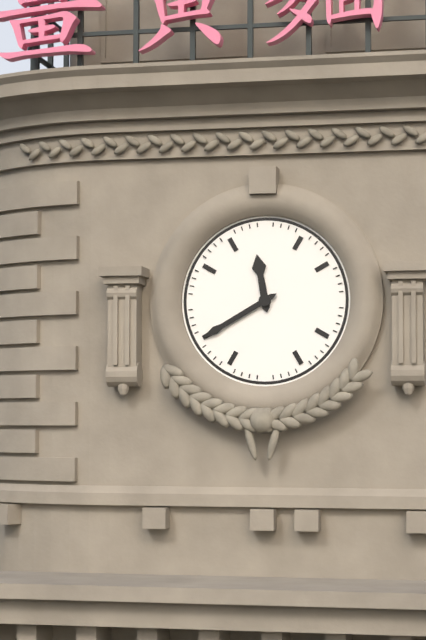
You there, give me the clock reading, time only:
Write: 11:40
